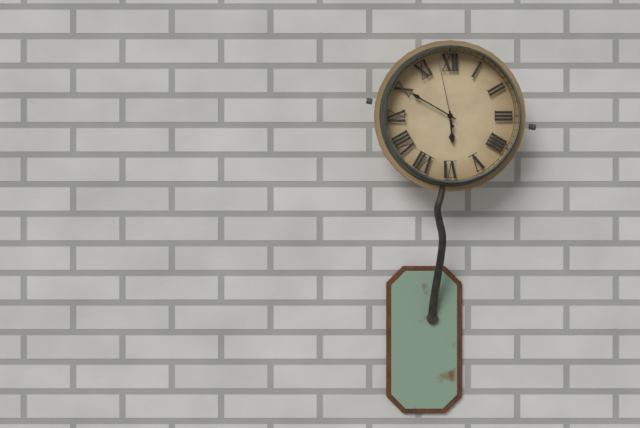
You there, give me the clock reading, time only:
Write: 5:50:58
